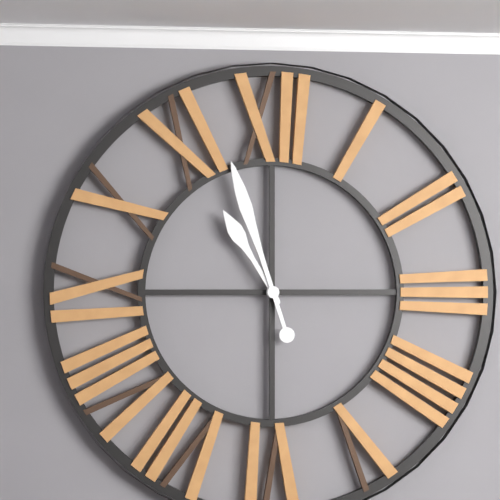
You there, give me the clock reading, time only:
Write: 10:57
